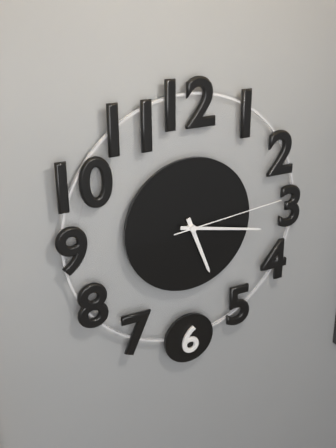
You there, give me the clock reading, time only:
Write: 5:17:14
